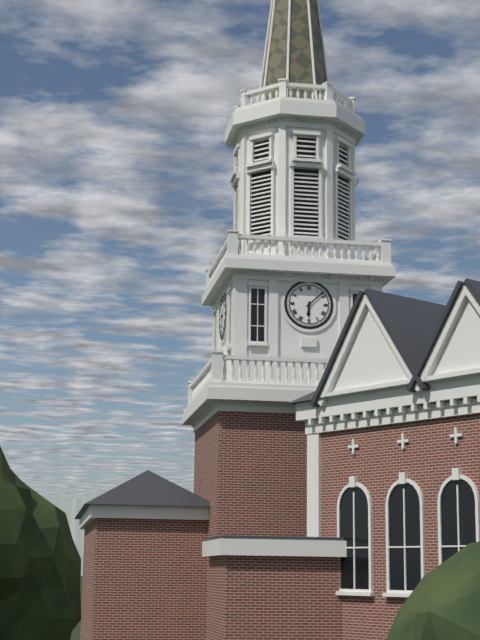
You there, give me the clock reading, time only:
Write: 6:08
